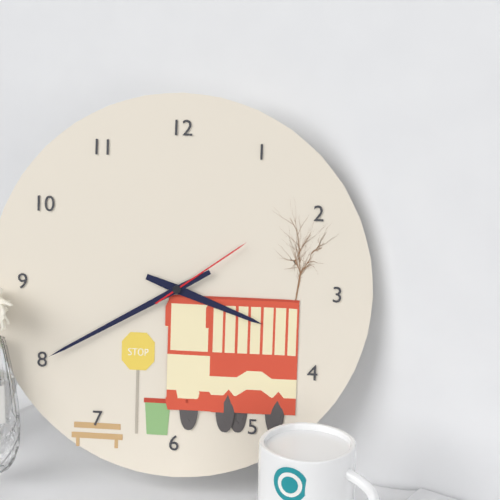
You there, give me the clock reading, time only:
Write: 3:40:09
